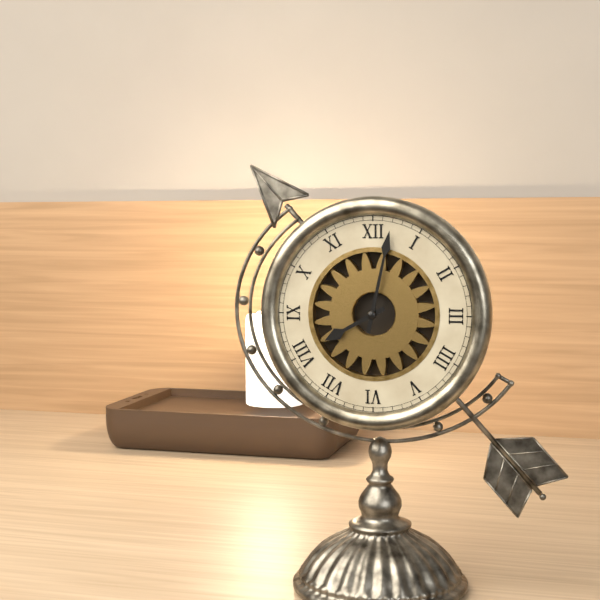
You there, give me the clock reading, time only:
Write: 8:02
